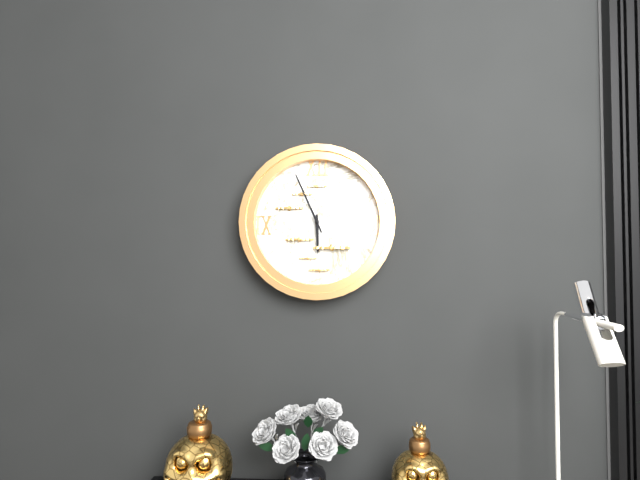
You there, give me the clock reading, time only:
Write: 5:56
